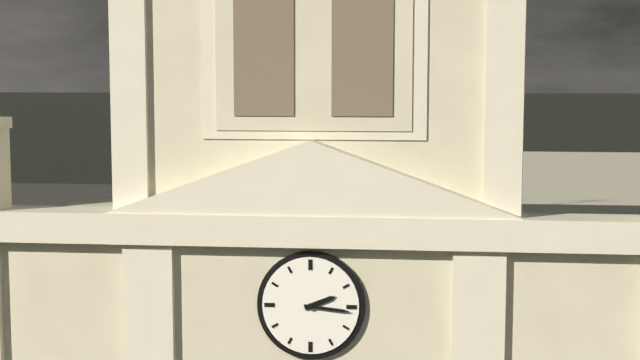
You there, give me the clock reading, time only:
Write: 2:16
